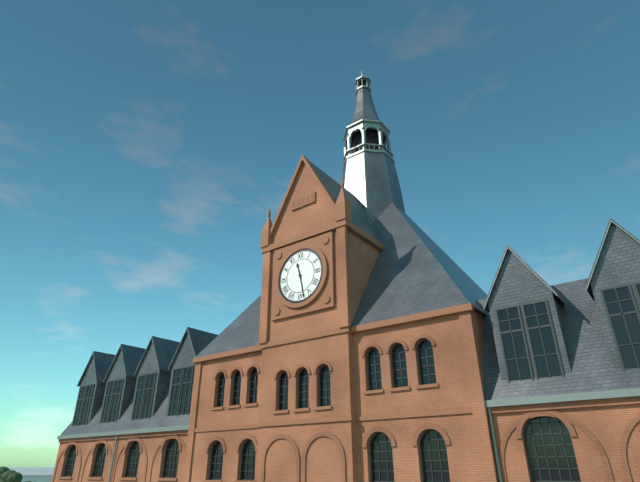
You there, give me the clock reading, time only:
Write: 11:28
